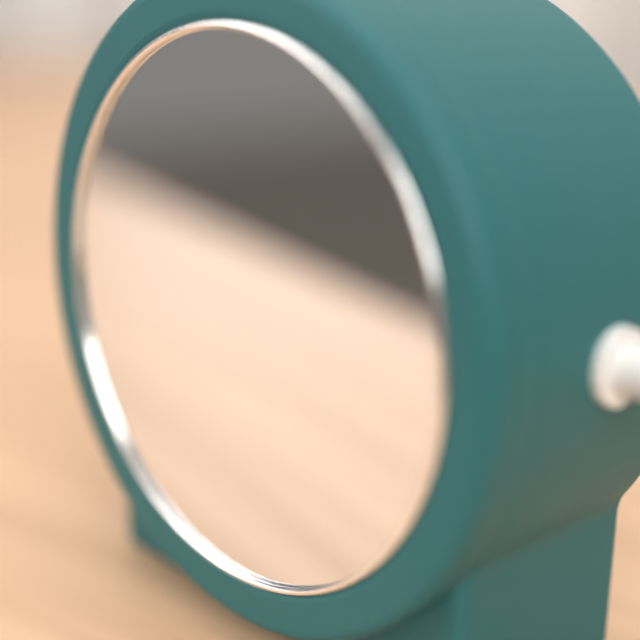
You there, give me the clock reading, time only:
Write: 8:42:14
